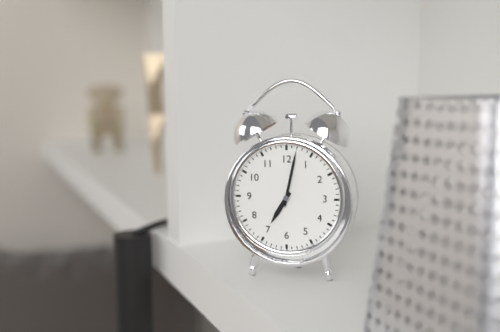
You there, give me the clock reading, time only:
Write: 7:02
